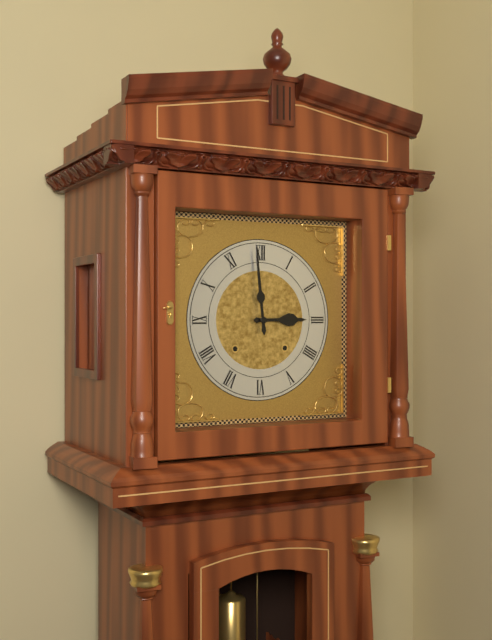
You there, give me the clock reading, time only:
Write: 2:59
